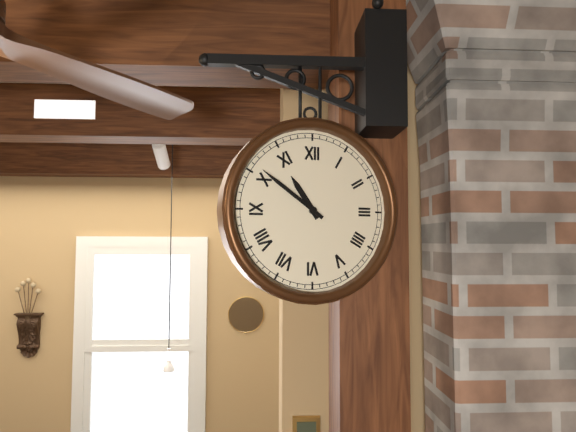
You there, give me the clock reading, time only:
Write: 10:51
